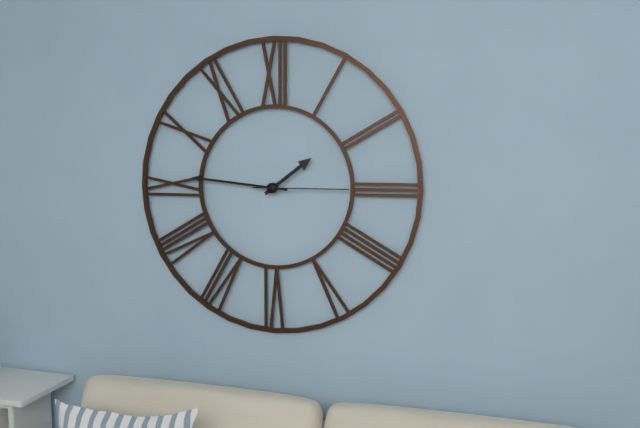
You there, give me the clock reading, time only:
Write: 1:46:15
